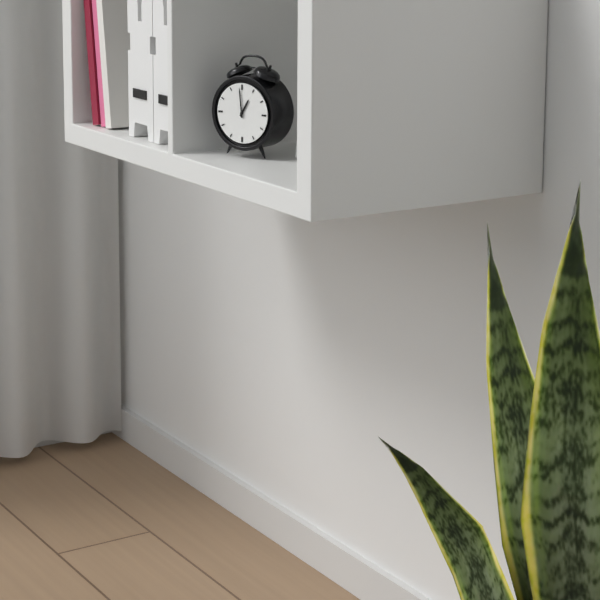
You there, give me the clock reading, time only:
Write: 12:59
